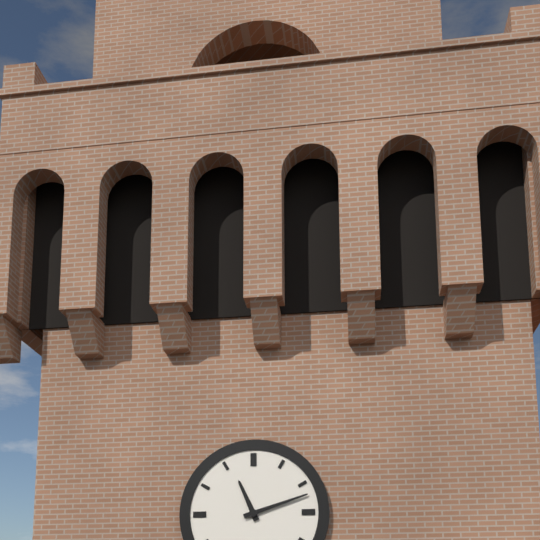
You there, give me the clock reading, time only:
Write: 11:12
